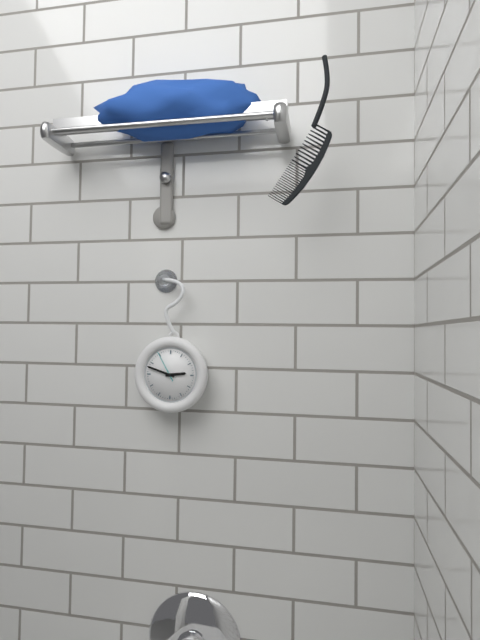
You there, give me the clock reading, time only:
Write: 2:48
